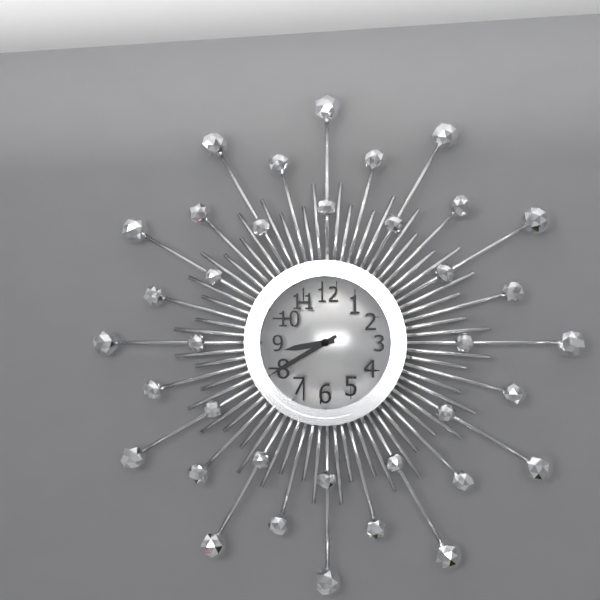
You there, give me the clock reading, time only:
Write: 8:40
